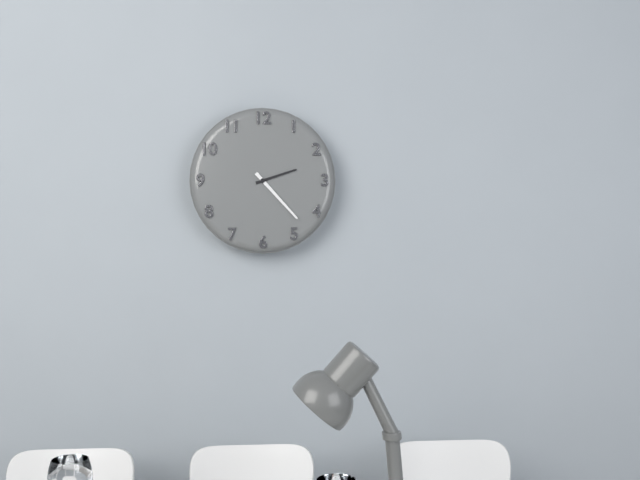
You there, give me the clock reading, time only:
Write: 2:23
